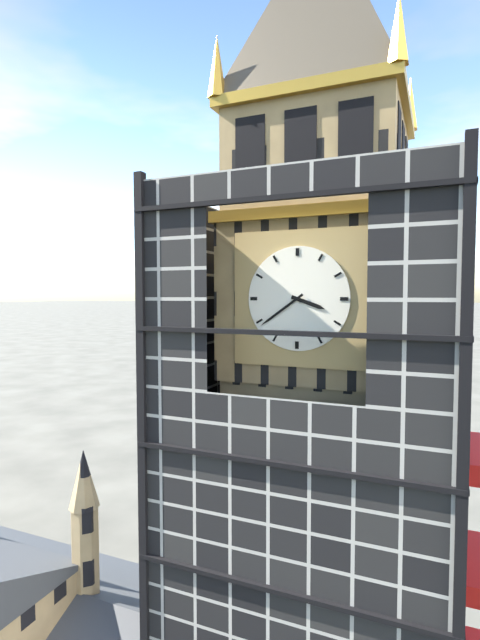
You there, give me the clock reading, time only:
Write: 3:39
